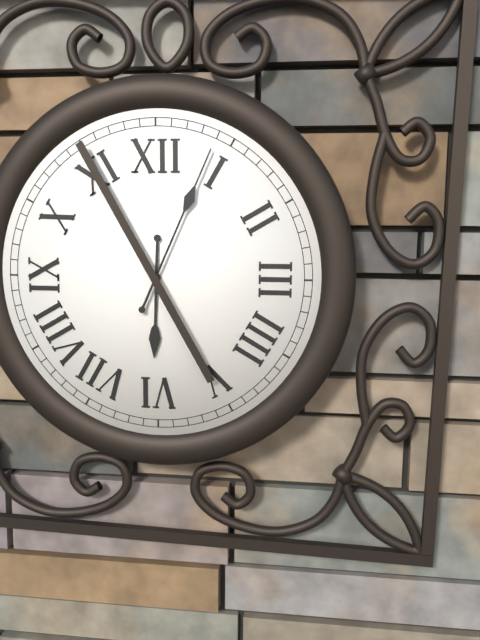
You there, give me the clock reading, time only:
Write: 6:04
